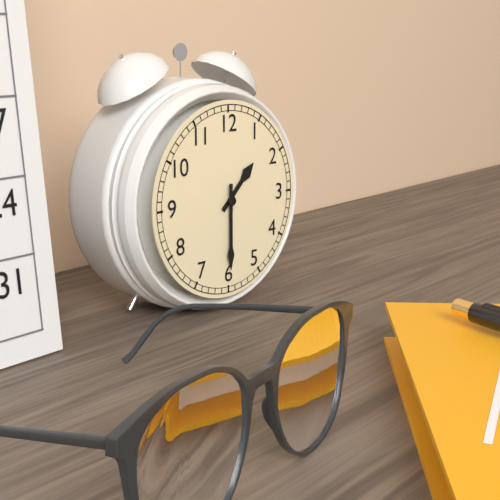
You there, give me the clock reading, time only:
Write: 1:30
